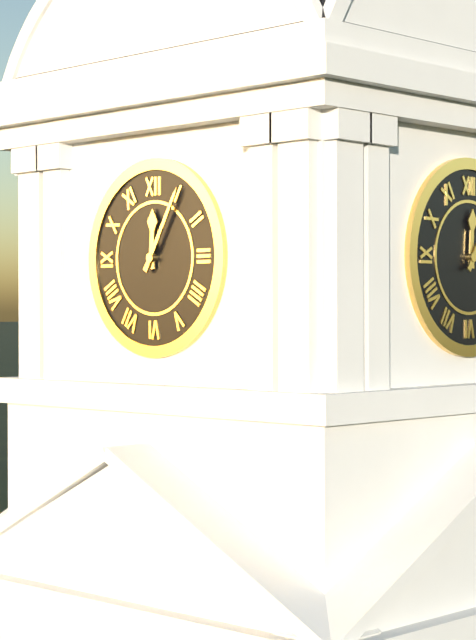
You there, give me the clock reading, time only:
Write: 12:05
